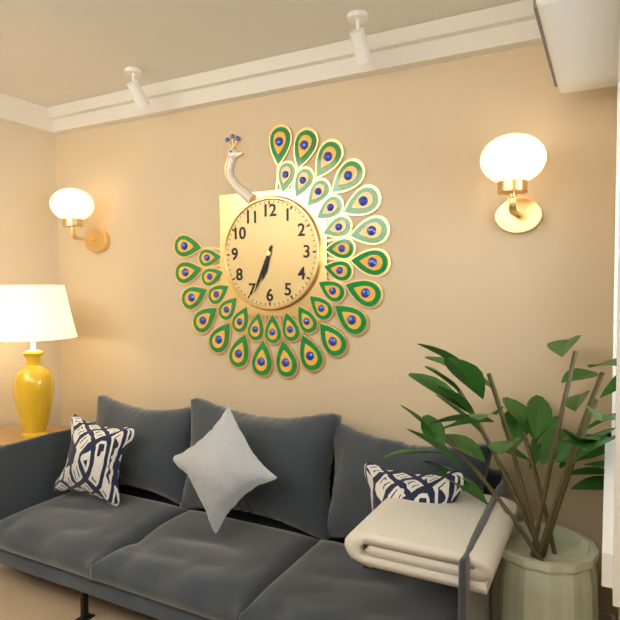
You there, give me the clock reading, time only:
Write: 6:34
